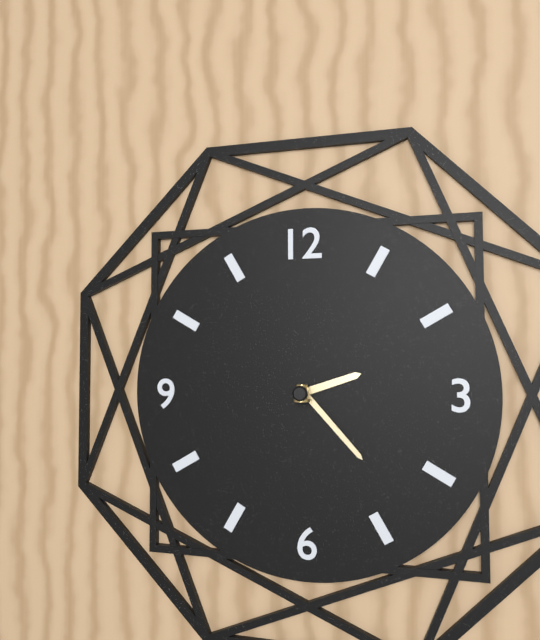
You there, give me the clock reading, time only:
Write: 2:23
